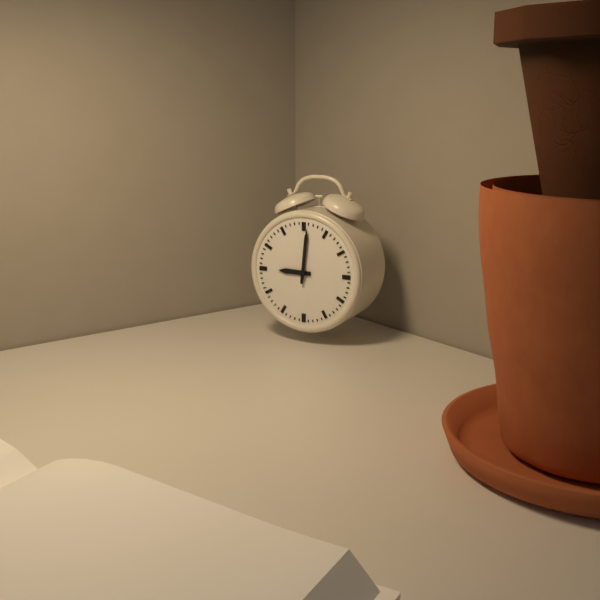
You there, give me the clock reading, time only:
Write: 9:01
